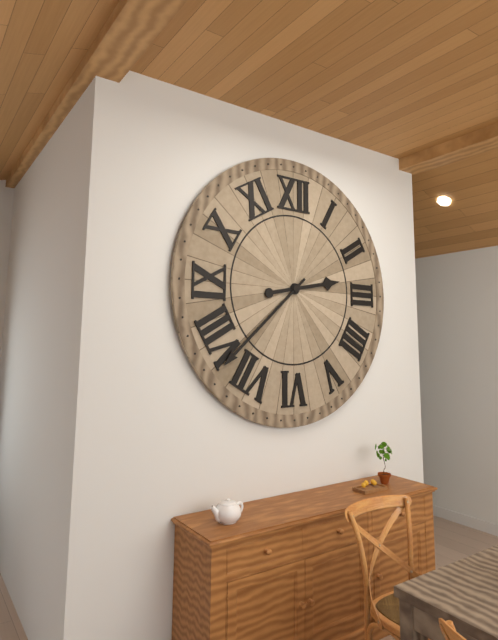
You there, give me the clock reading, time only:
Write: 2:38
